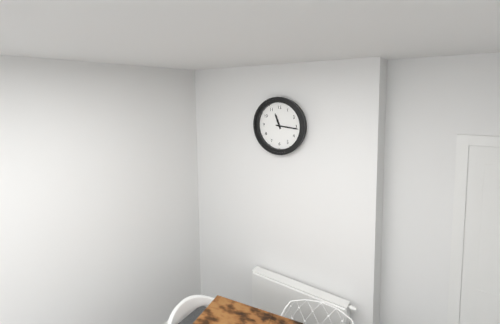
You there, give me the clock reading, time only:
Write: 11:16
